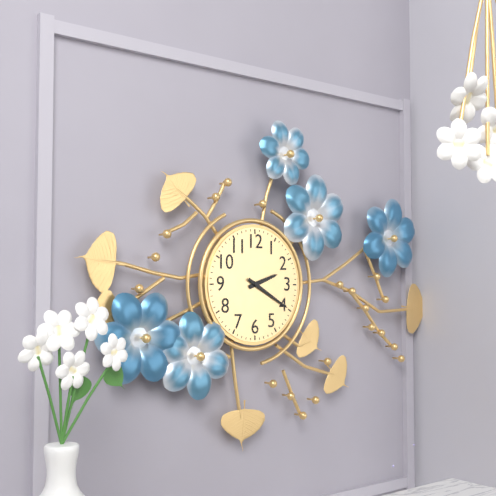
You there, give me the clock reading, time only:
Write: 2:20
